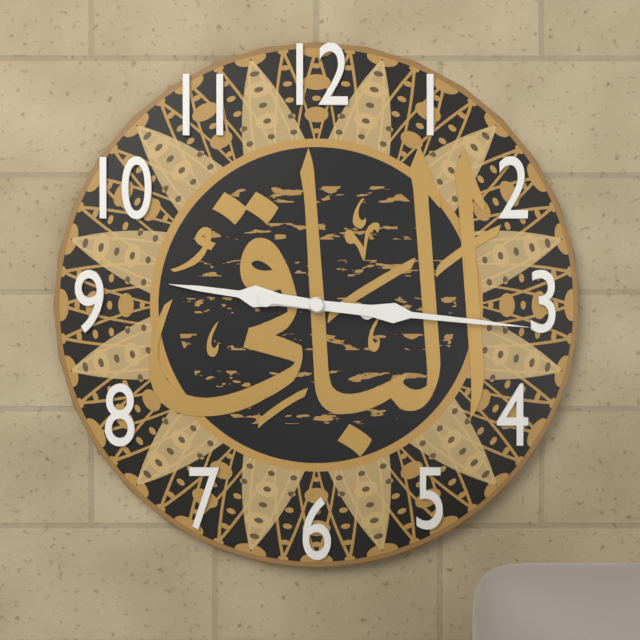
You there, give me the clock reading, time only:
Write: 9:16
